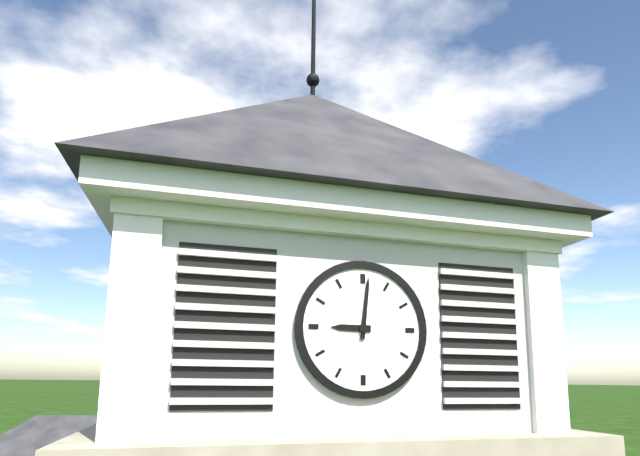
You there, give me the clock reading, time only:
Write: 9:01
